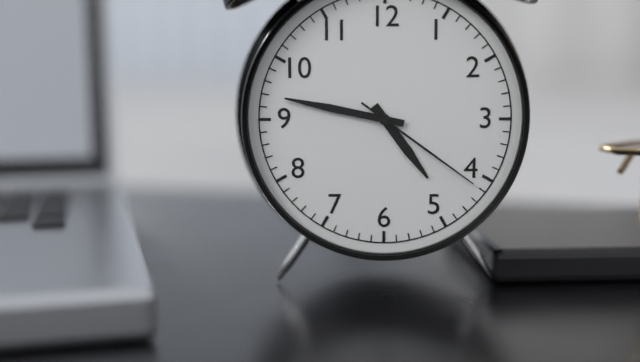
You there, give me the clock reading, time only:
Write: 4:47:21
